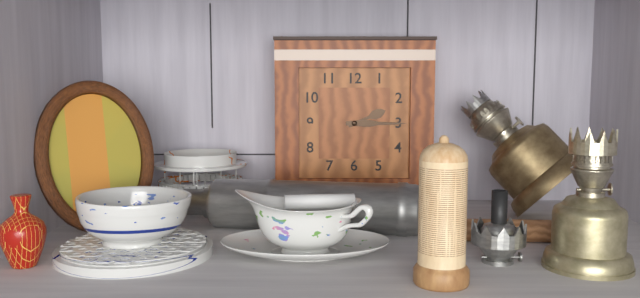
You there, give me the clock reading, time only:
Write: 2:15
